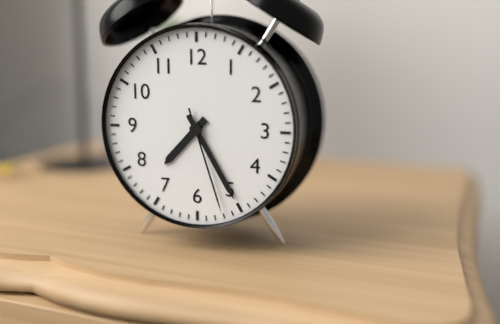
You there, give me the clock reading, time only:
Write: 7:25:27
